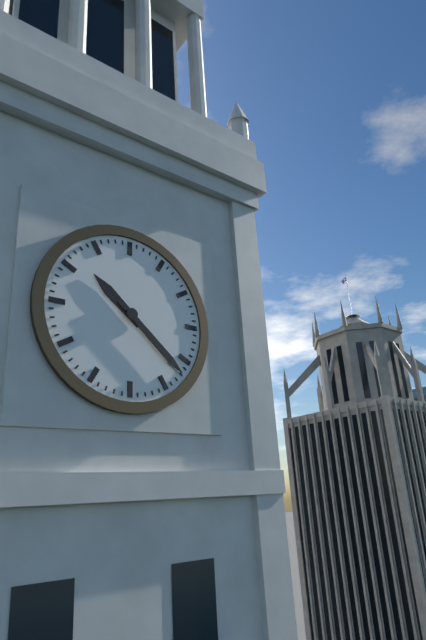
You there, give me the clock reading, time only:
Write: 10:22
